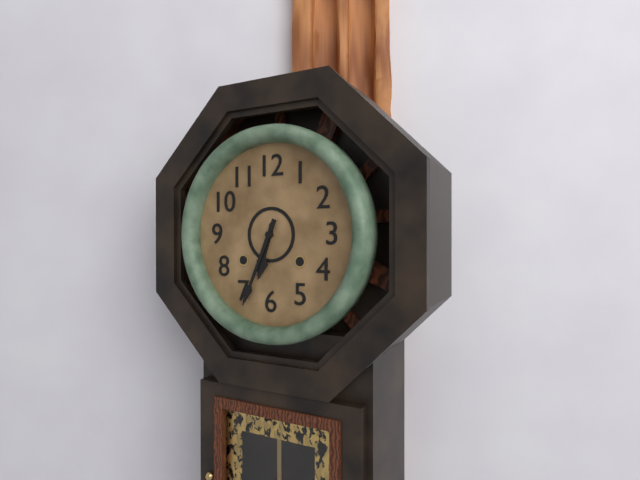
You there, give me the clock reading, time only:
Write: 6:34
